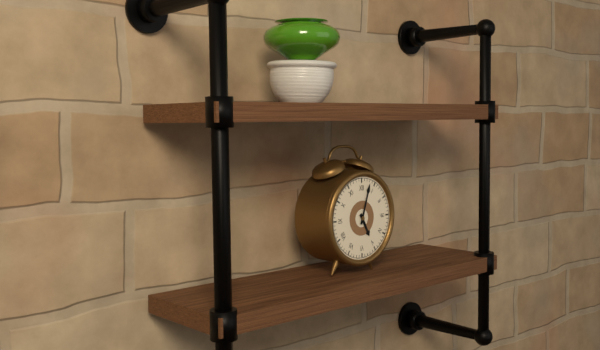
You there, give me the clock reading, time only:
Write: 5:03
